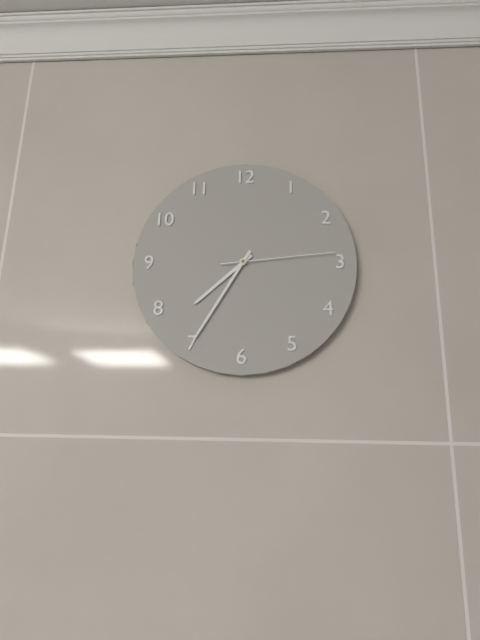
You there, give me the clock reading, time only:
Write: 7:35:14
